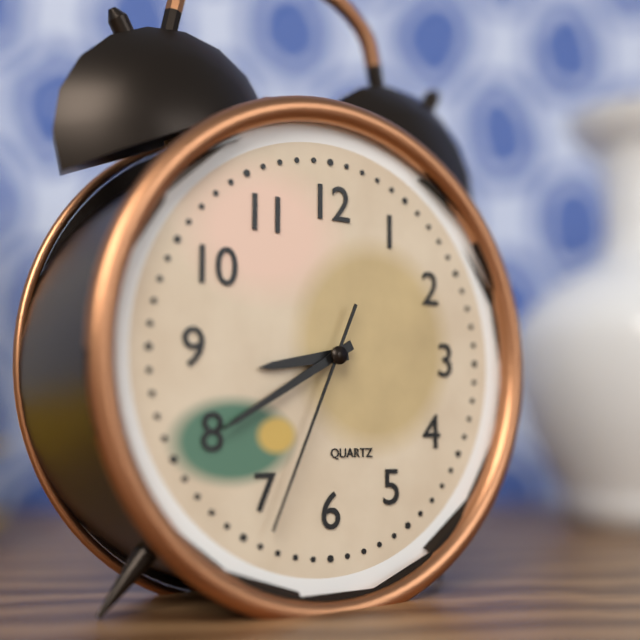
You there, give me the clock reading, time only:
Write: 8:40:34
